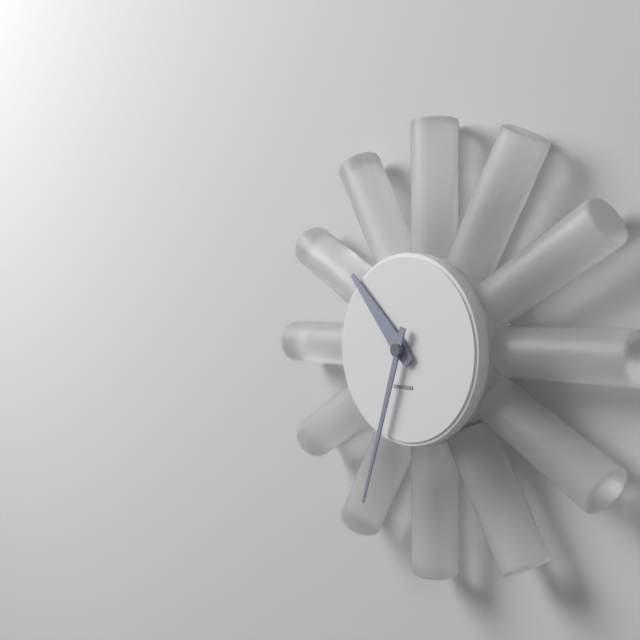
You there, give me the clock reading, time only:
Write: 10:33
